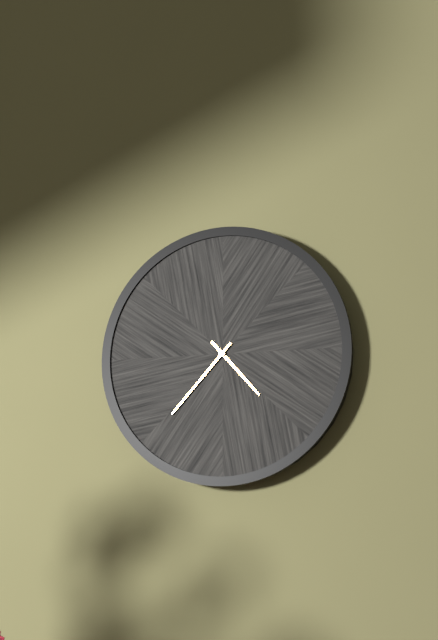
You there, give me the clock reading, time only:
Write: 4:37
